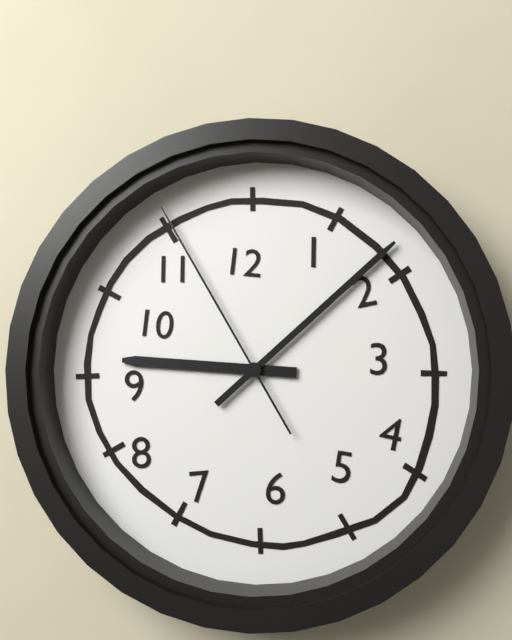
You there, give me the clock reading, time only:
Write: 9:08:55
